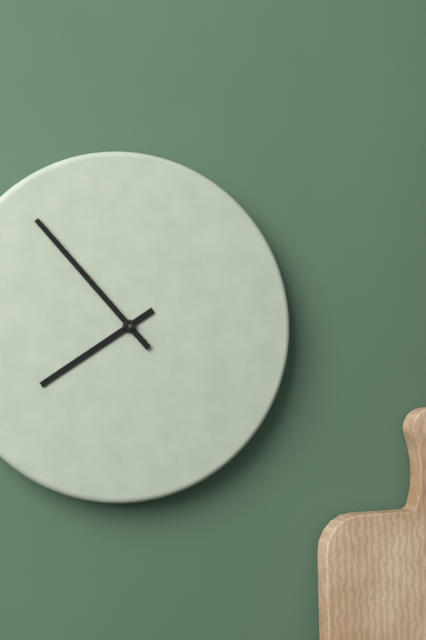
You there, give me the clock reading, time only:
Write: 7:53
